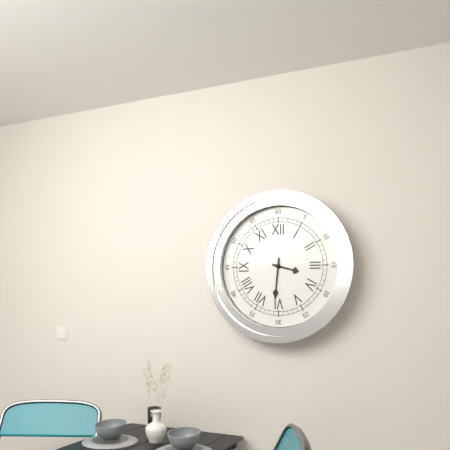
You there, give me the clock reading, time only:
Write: 3:31
